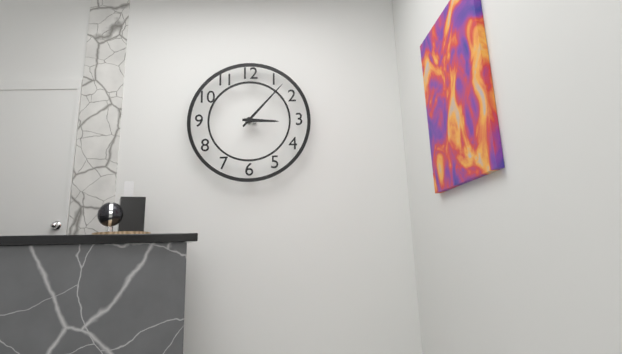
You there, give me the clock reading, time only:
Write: 3:07
